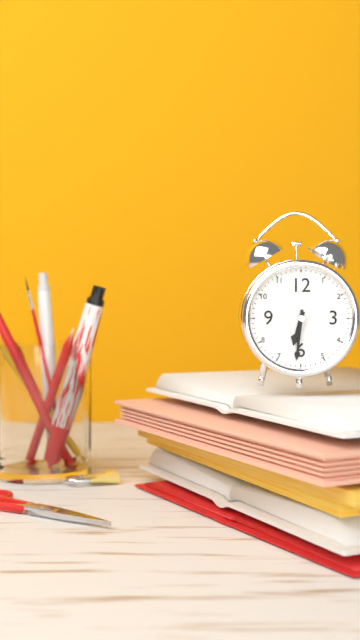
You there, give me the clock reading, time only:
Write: 6:31:43
